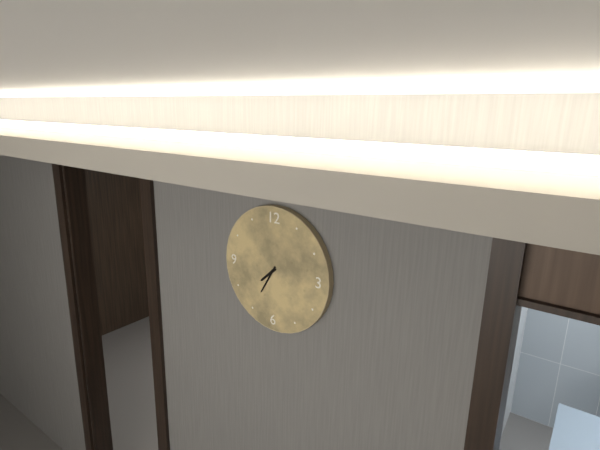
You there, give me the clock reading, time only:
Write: 7:35
